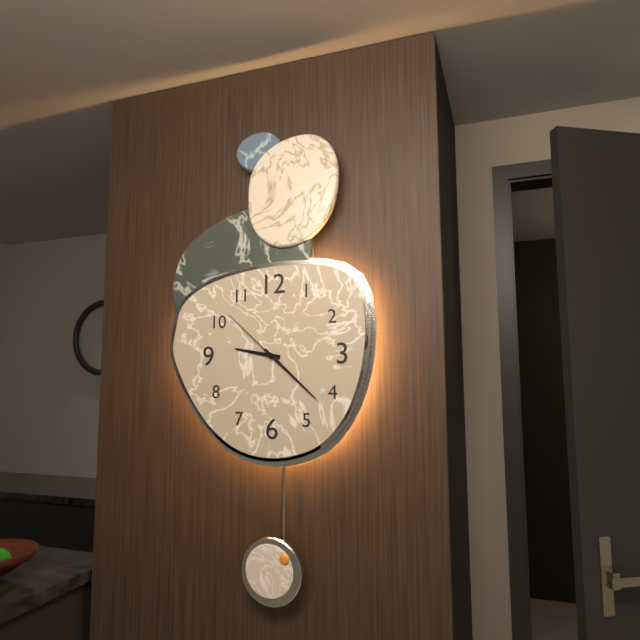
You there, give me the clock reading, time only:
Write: 9:22:52
